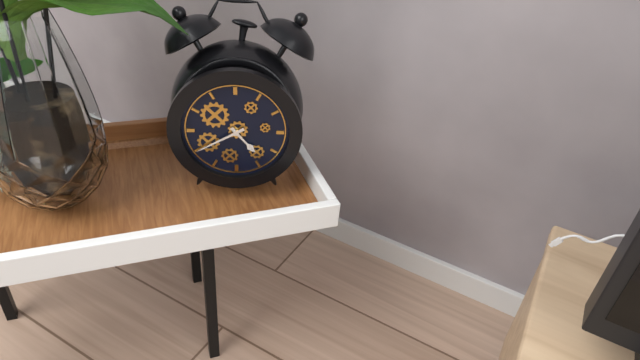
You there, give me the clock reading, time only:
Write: 4:40
